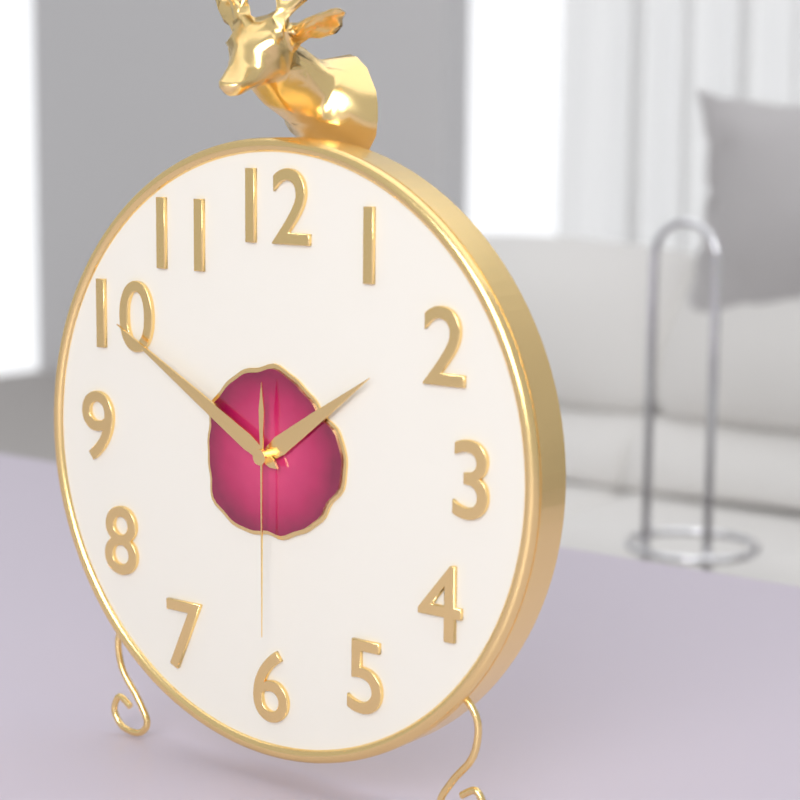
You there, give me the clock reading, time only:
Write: 1:50:30
